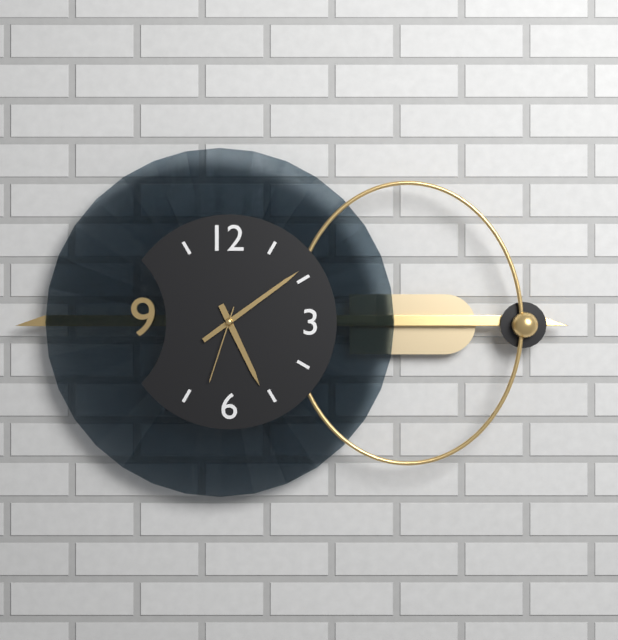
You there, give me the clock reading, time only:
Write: 5:09:33
